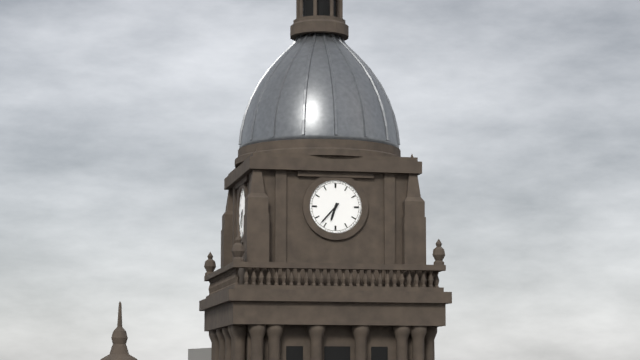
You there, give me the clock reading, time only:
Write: 6:37
